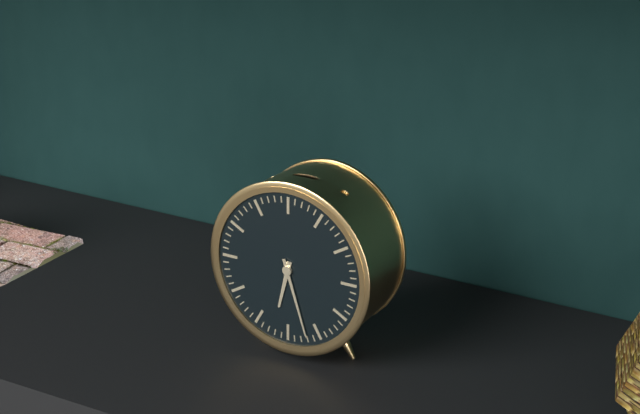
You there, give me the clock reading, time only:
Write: 6:27
